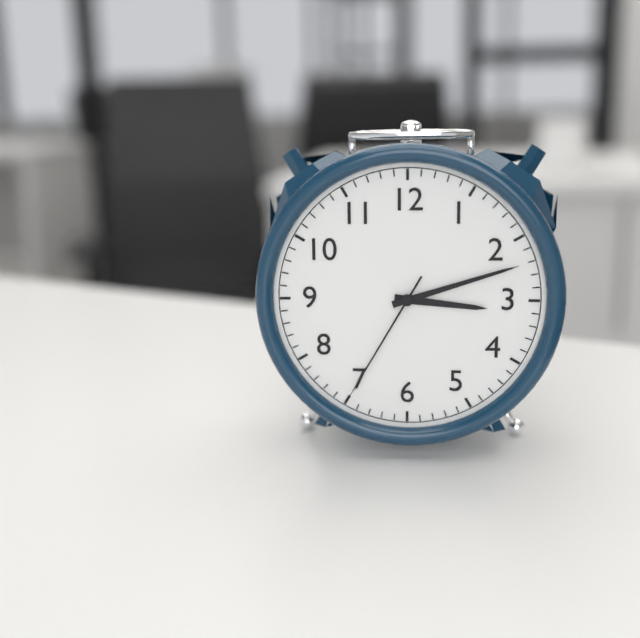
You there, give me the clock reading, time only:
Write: 3:12:35
